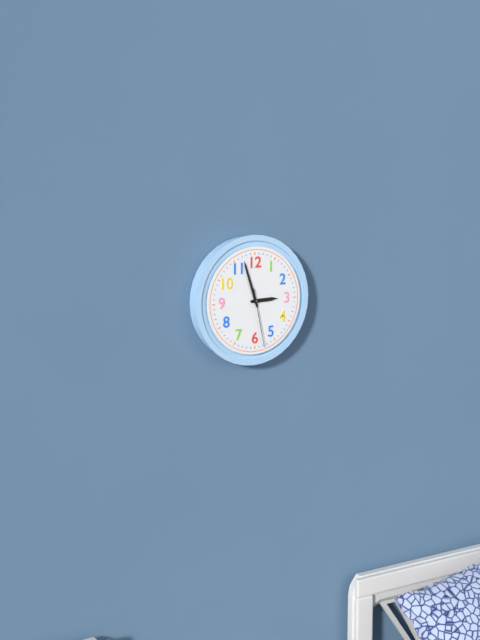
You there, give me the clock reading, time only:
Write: 2:57:28
